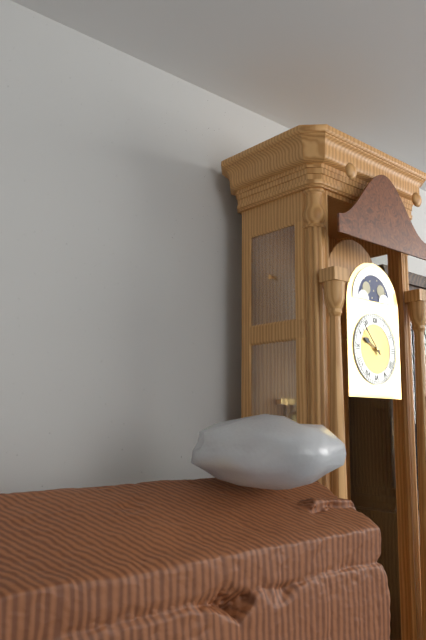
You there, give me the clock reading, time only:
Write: 9:53
